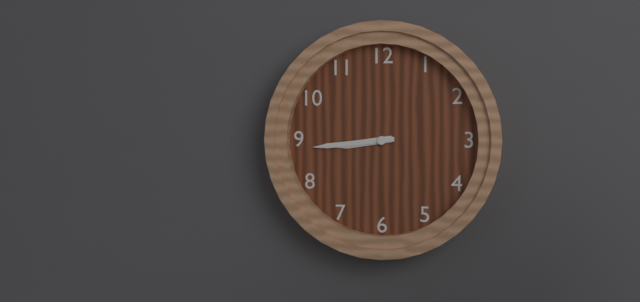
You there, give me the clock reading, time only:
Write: 8:44
